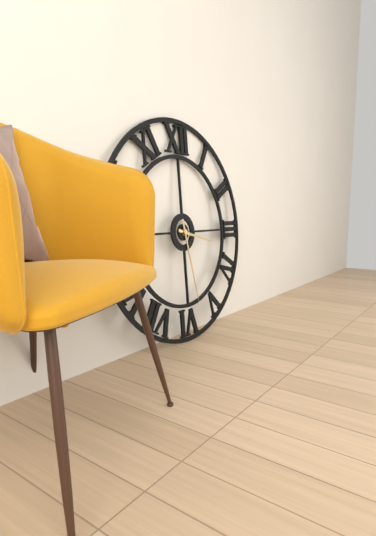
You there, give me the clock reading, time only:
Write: 3:28
